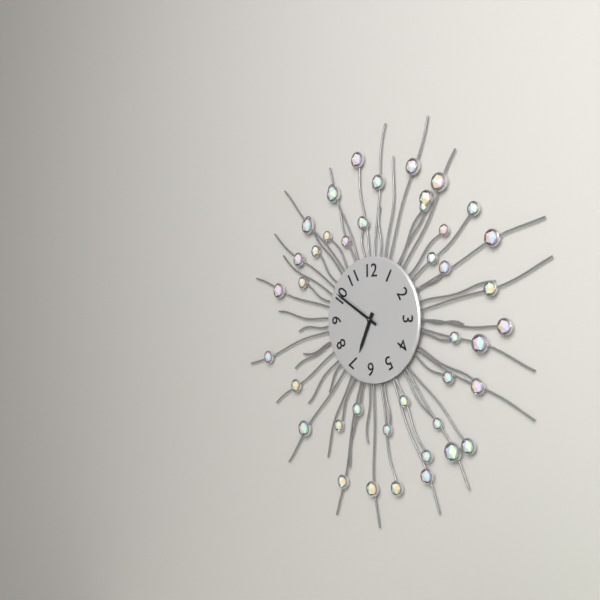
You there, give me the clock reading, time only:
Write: 6:50
